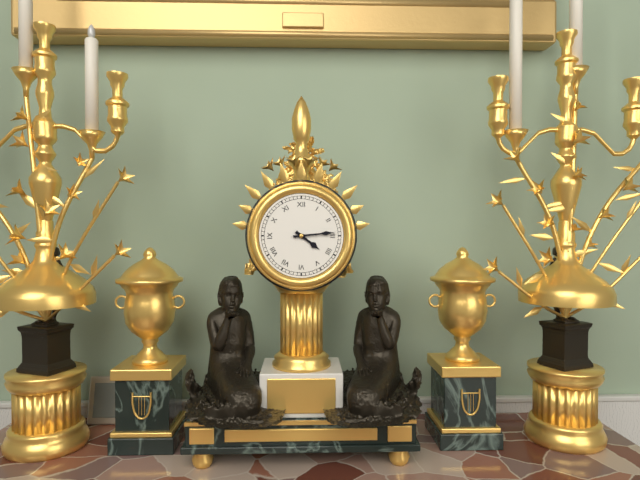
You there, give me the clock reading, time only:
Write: 4:14
